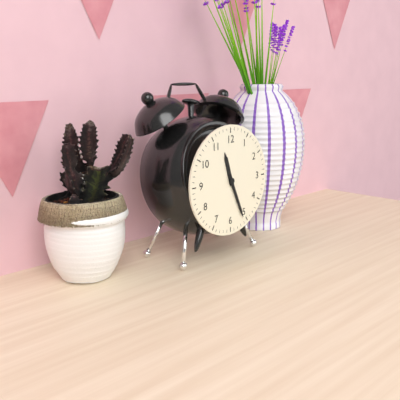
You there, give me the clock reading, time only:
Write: 11:26
